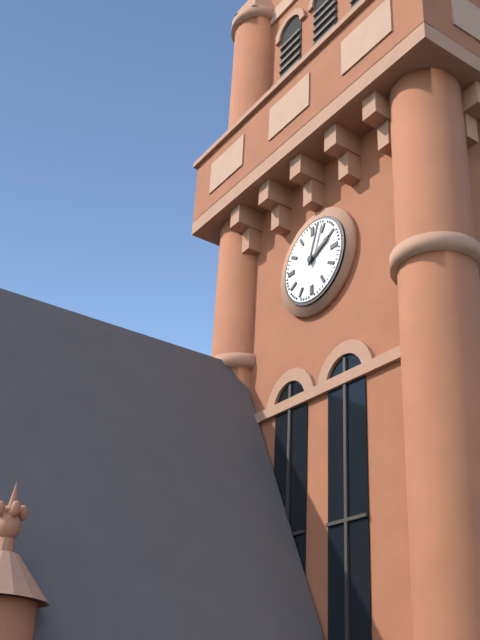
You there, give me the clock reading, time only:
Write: 2:03
